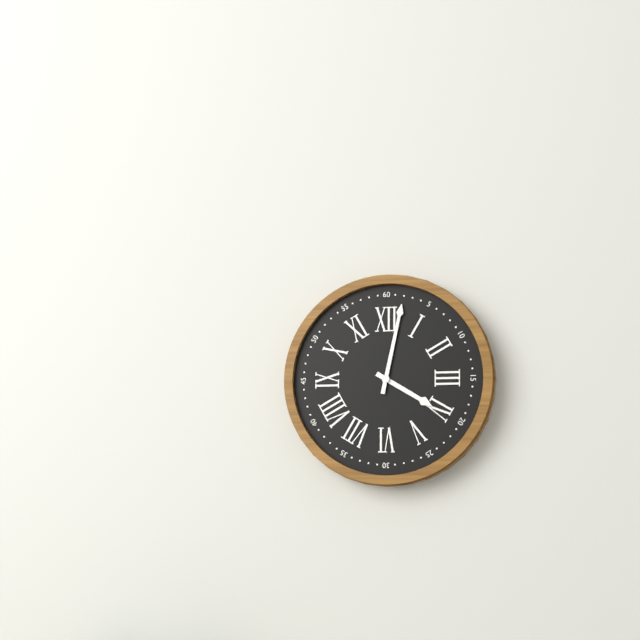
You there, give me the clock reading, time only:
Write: 4:02
